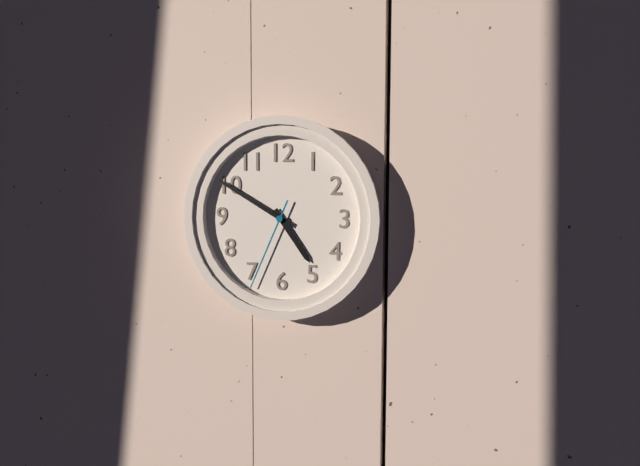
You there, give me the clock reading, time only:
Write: 4:50:34
